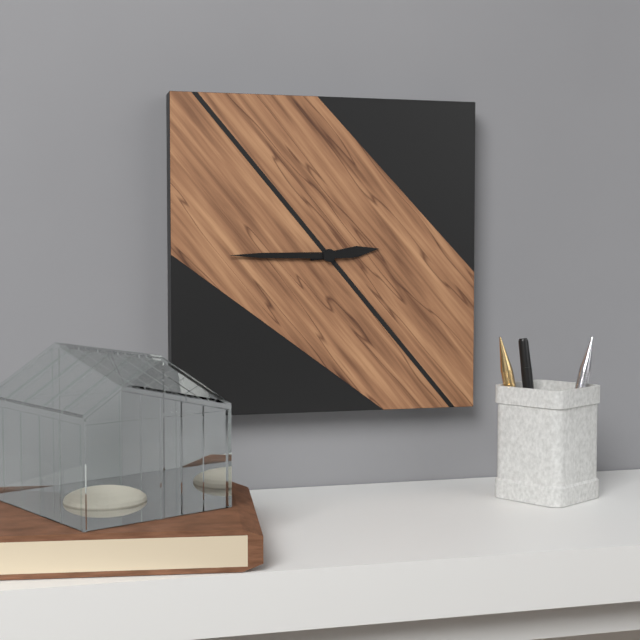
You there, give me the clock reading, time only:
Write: 2:45
